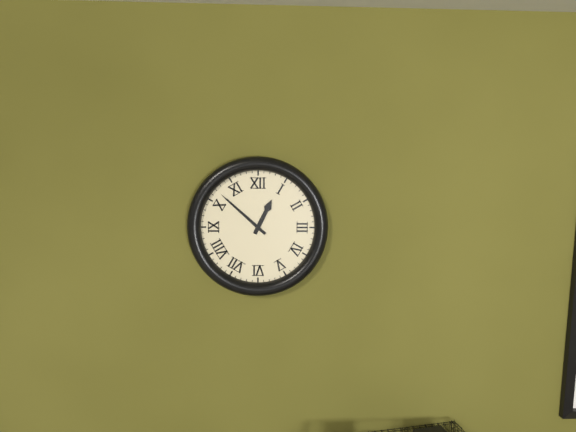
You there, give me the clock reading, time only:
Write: 12:52
